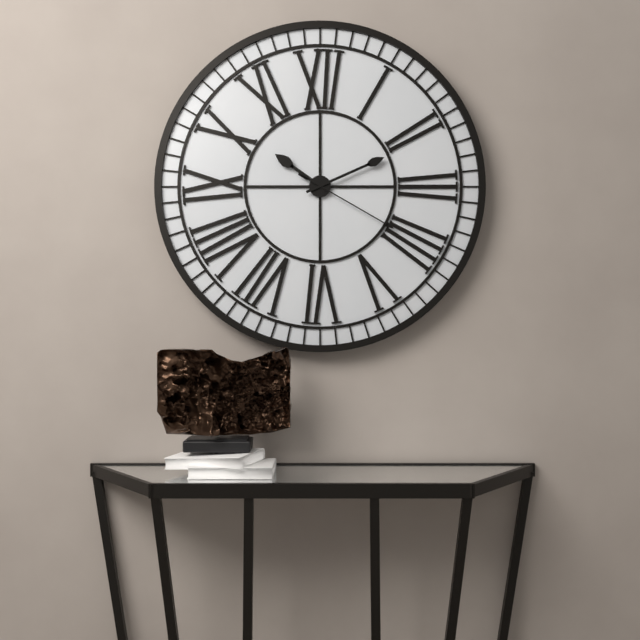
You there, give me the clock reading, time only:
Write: 10:11:20
